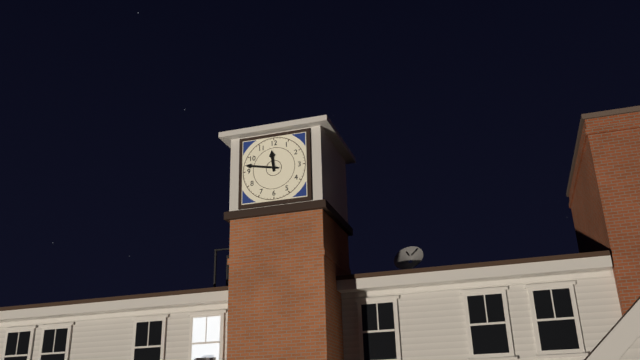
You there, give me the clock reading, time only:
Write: 11:47
